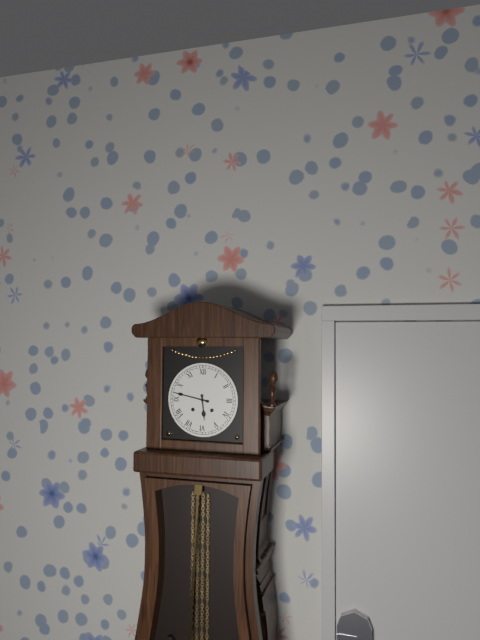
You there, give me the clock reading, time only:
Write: 5:47
